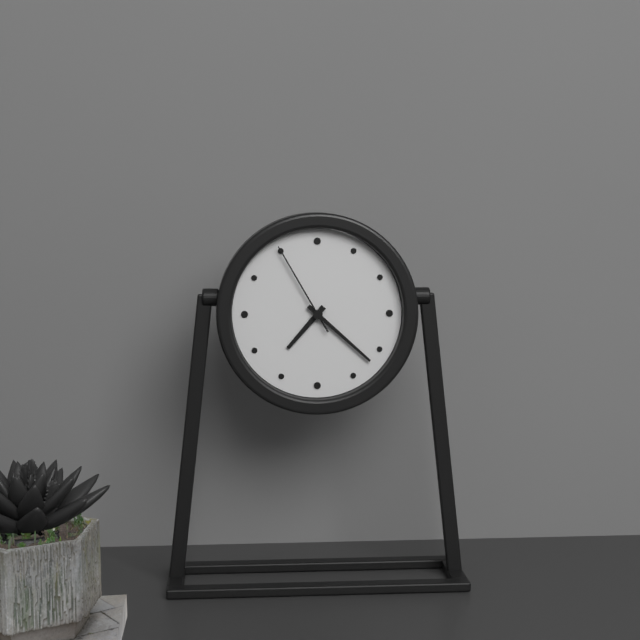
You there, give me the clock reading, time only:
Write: 7:22:55
